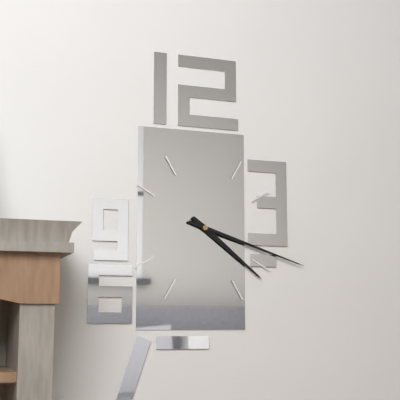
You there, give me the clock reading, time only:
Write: 4:18
